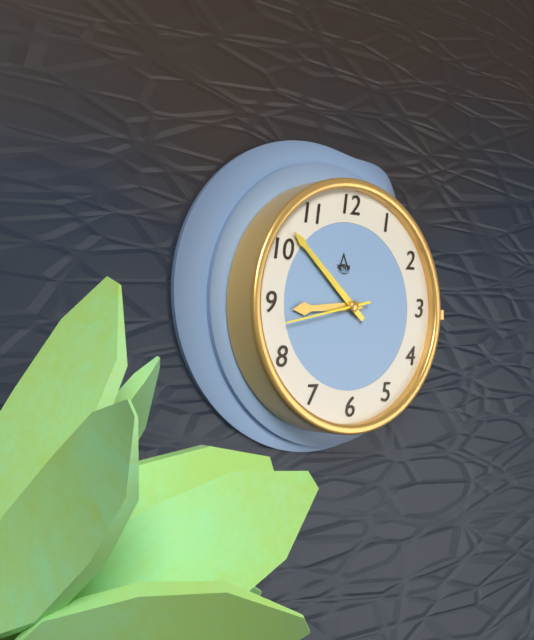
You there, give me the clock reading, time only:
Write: 8:52:43
